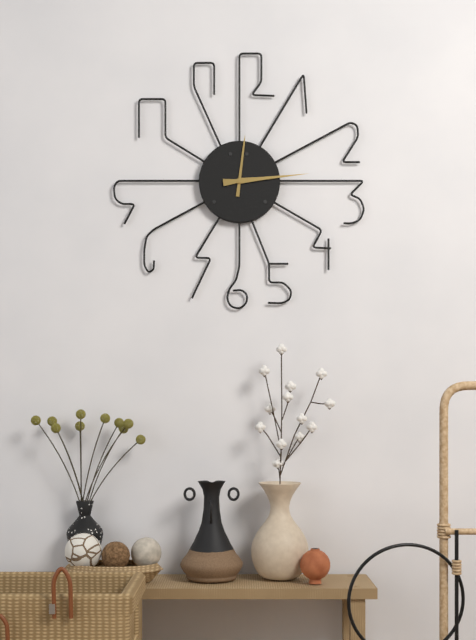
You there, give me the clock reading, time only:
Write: 12:14
